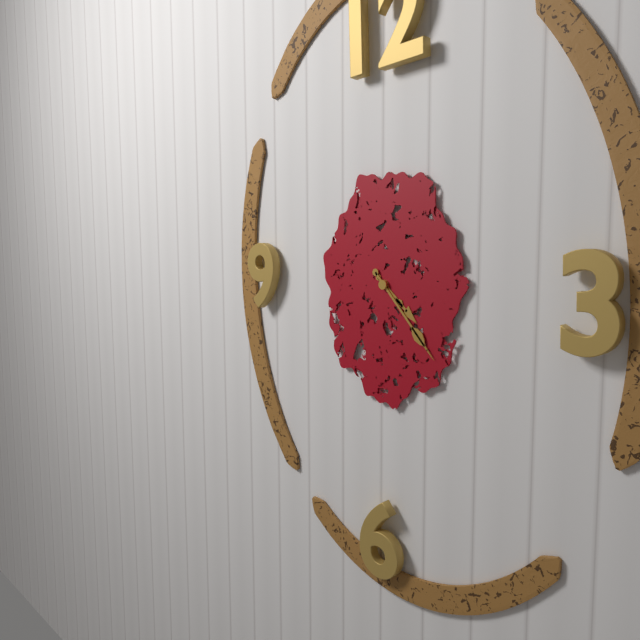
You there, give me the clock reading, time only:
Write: 4:23
